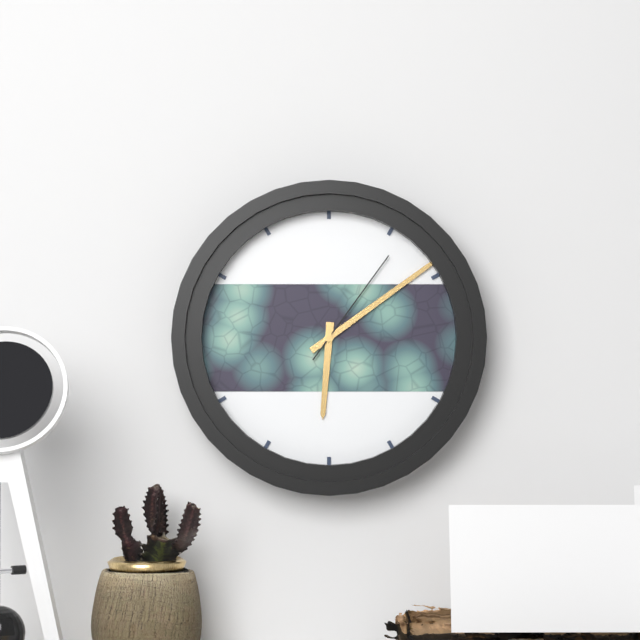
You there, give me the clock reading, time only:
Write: 6:09:06
